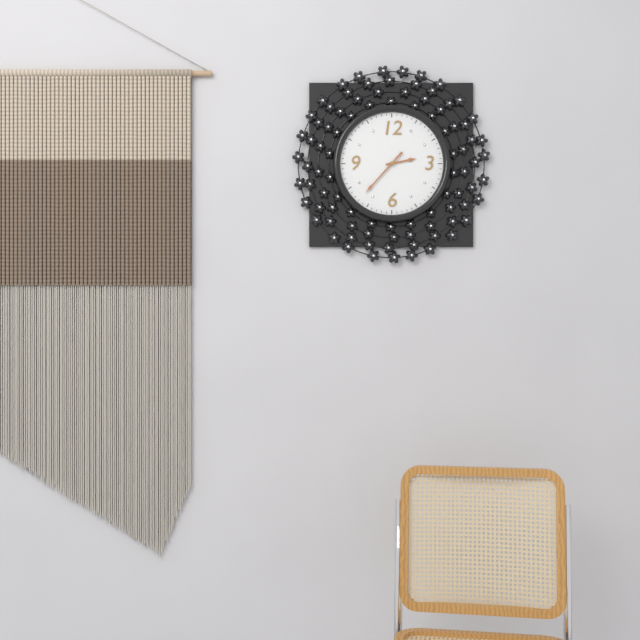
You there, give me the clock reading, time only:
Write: 2:37
